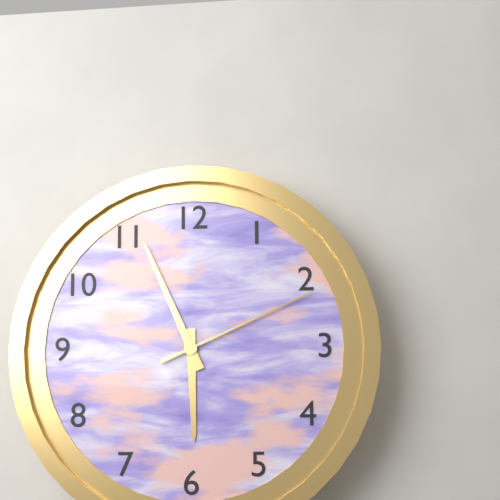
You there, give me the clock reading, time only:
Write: 5:56:11
